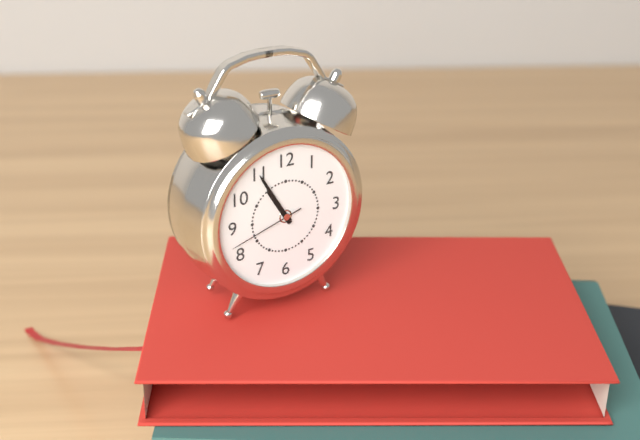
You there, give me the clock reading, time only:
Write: 10:55:42
